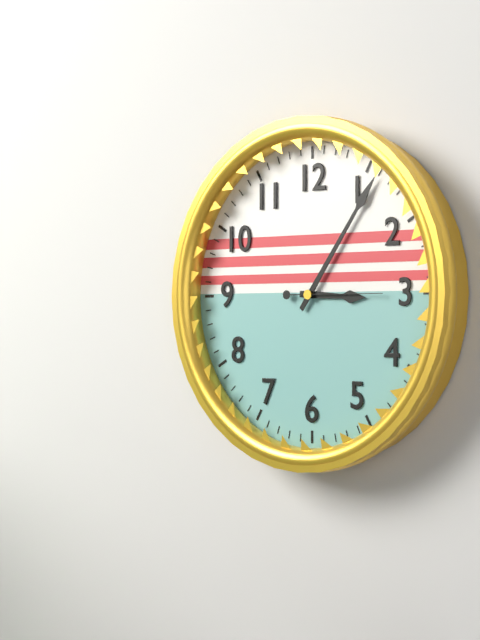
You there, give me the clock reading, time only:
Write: 3:06:15
